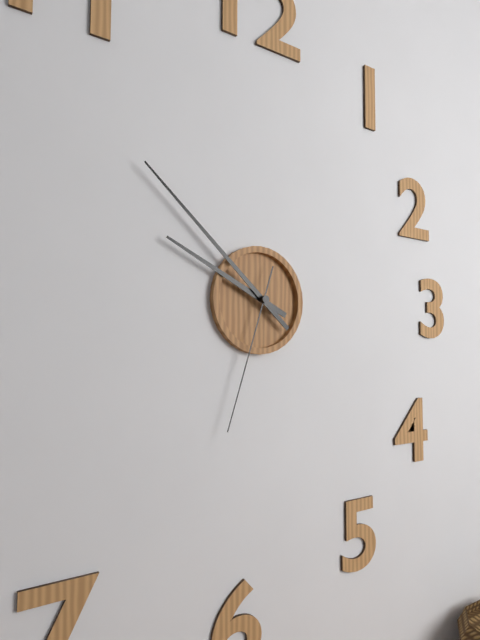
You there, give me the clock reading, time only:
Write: 9:52:33
